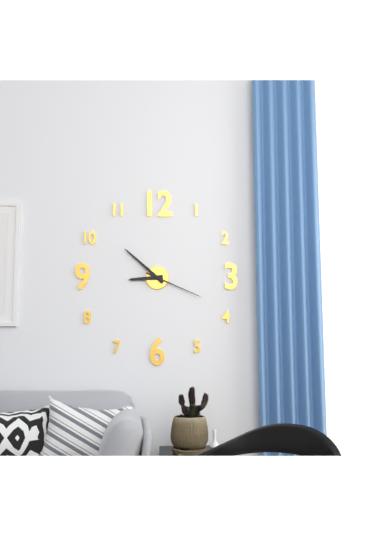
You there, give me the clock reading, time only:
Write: 8:52:19
